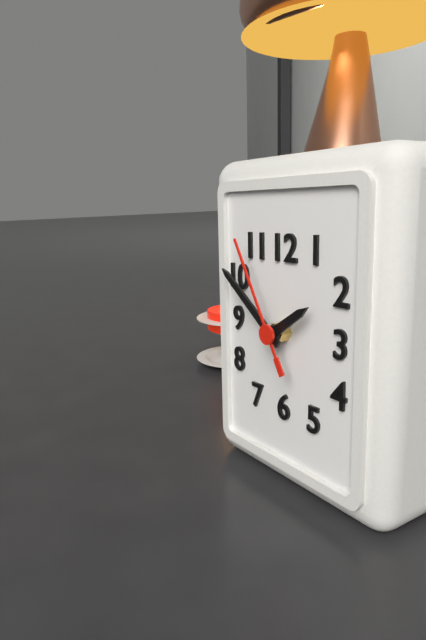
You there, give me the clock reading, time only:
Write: 1:51:55
